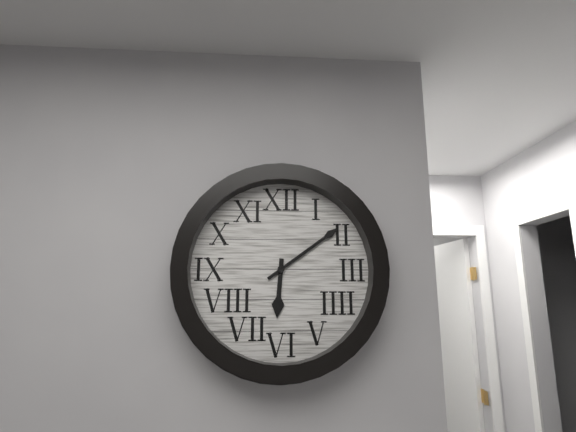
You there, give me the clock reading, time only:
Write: 6:09
